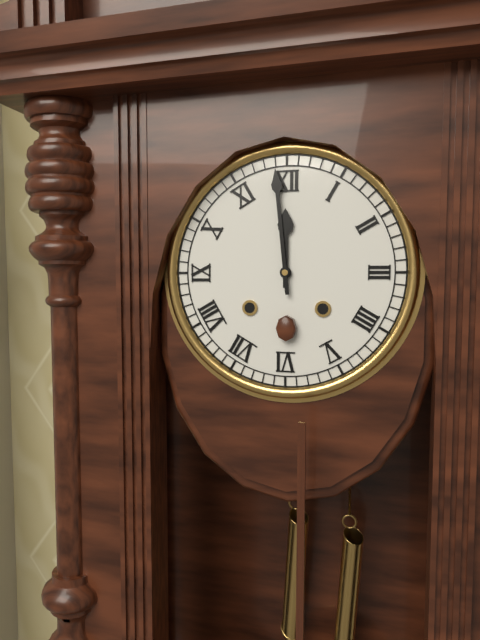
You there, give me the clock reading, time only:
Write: 11:59
